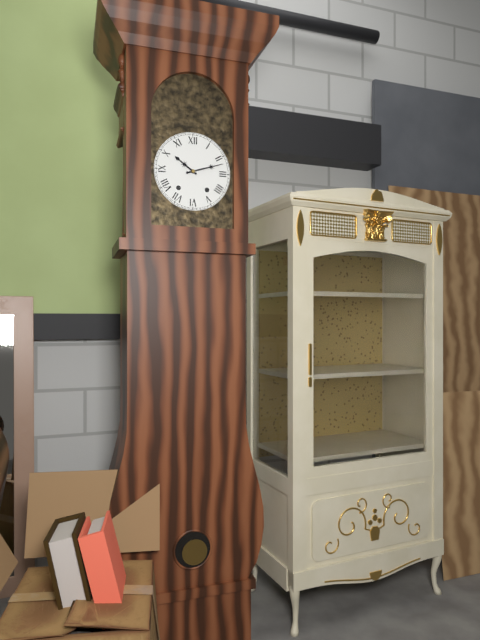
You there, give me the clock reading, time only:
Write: 10:12
